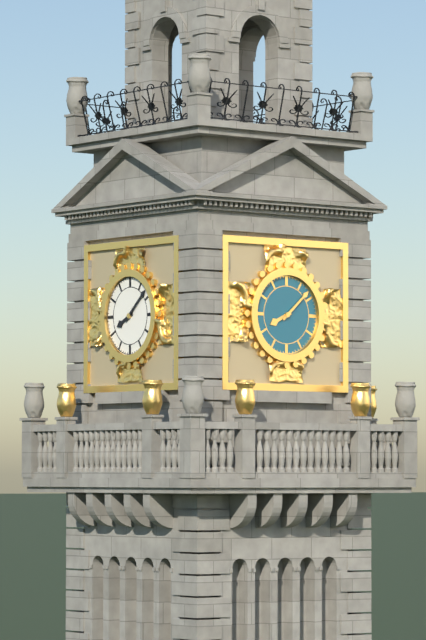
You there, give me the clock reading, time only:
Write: 8:08
